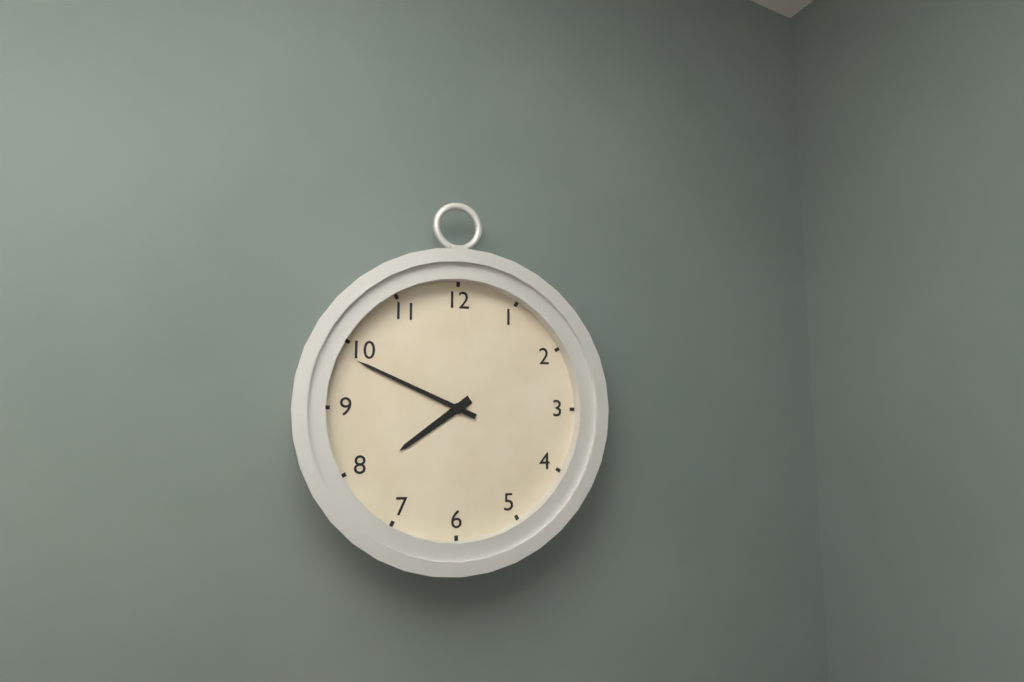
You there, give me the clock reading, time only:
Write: 7:49
